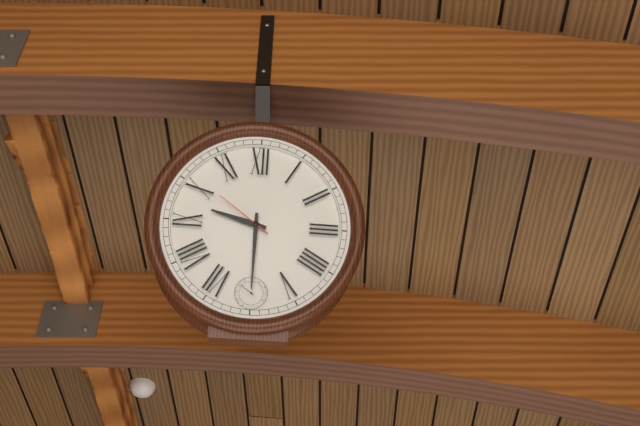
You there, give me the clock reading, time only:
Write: 9:30:51
